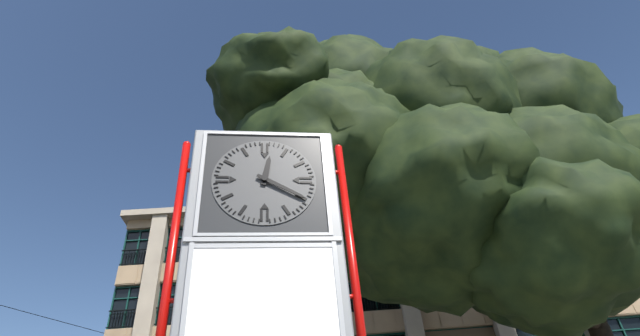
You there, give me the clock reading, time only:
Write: 12:20
